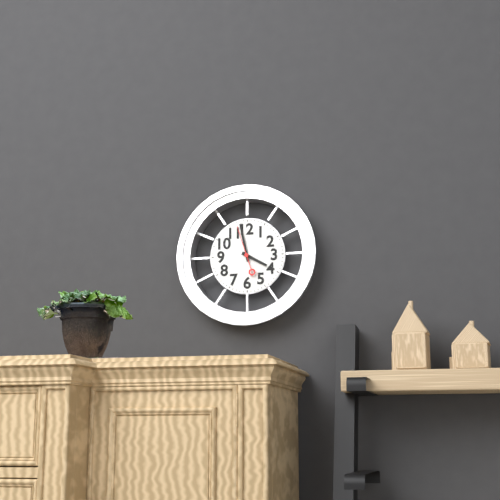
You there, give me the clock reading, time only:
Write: 3:58
